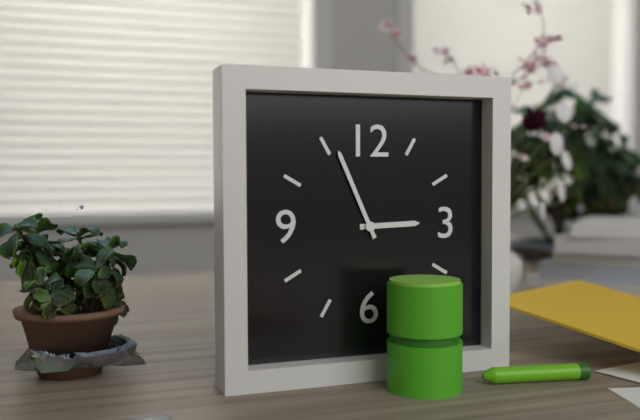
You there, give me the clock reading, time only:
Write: 2:56
